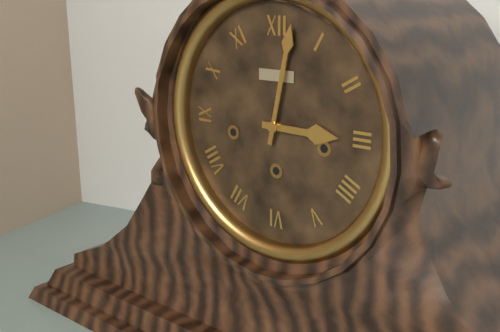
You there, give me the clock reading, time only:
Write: 3:02
